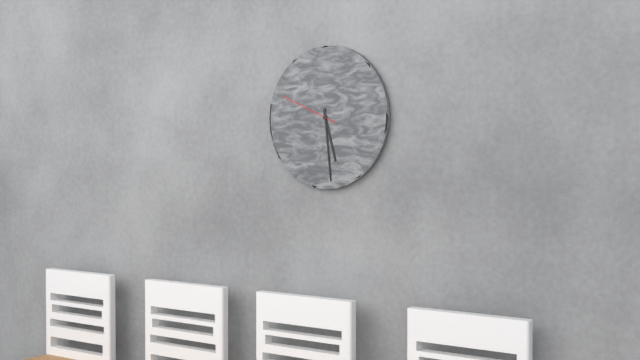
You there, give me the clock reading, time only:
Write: 5:29:49
